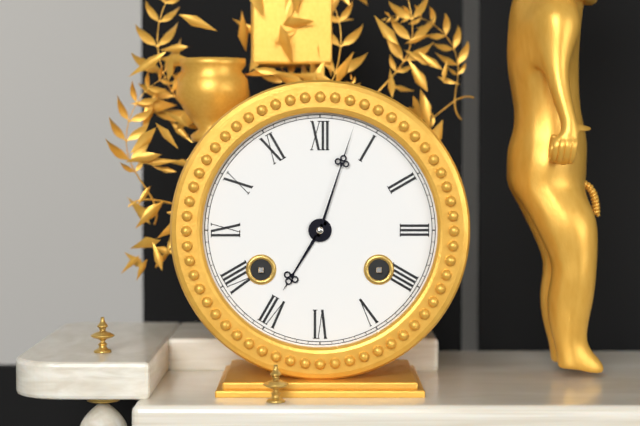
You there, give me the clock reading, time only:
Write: 7:03
